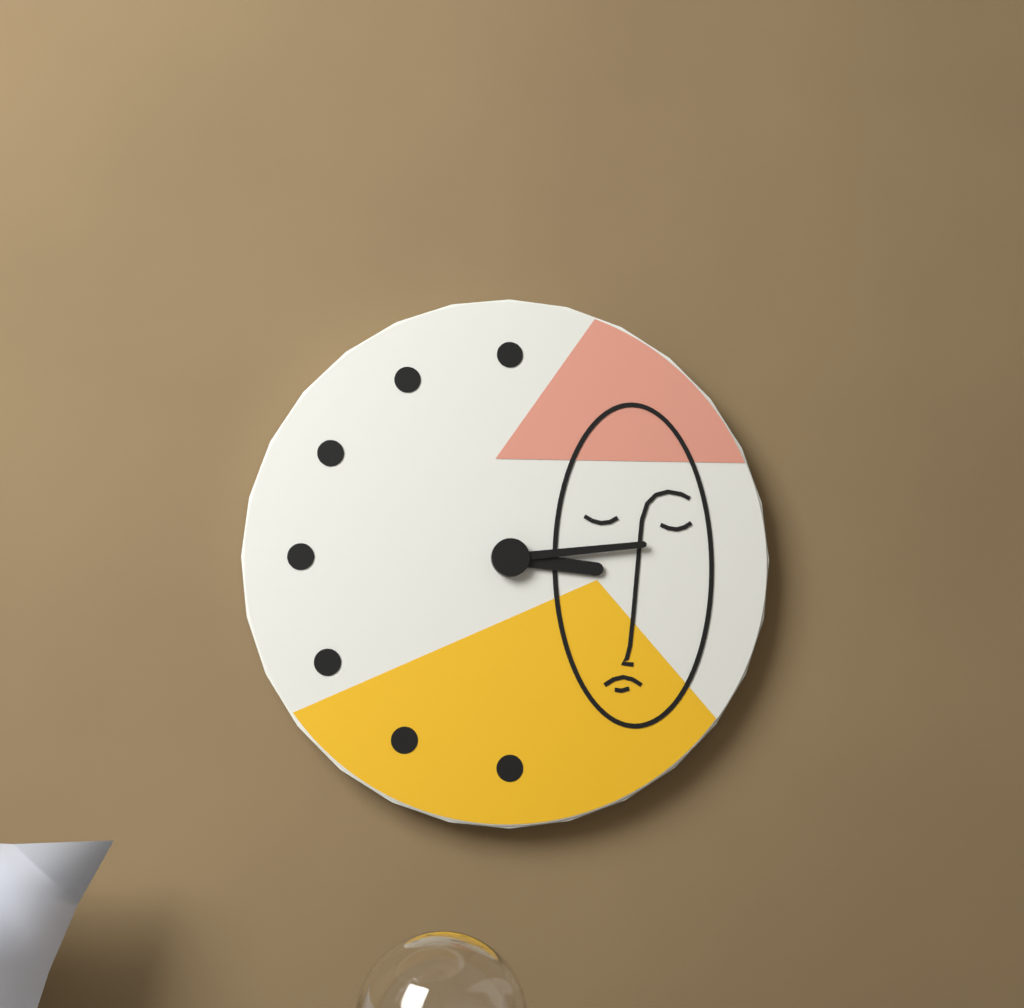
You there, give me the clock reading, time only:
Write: 3:14
